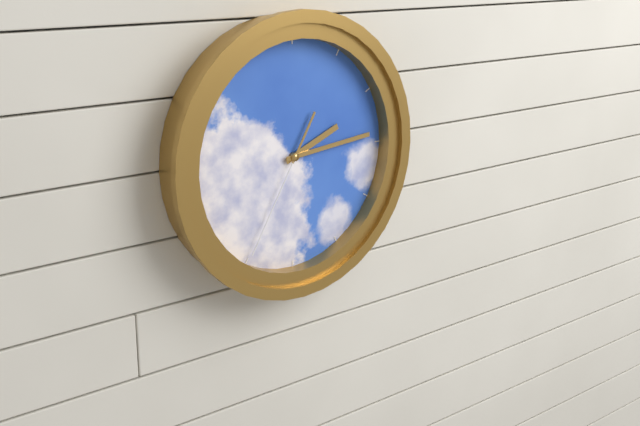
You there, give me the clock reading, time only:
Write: 2:14:35
